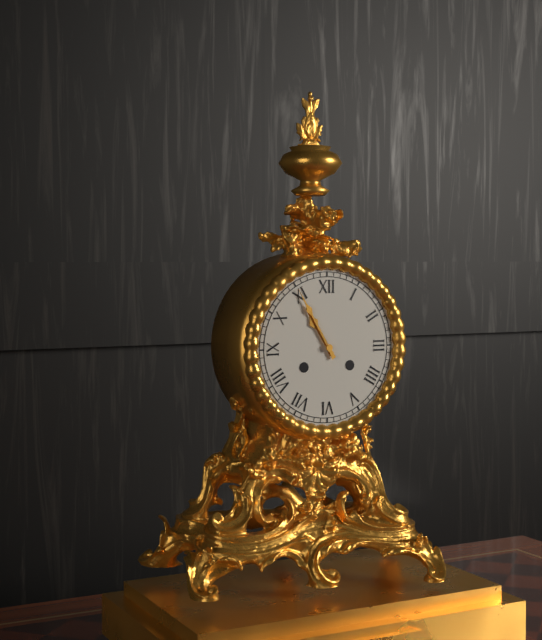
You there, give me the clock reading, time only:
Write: 10:55
